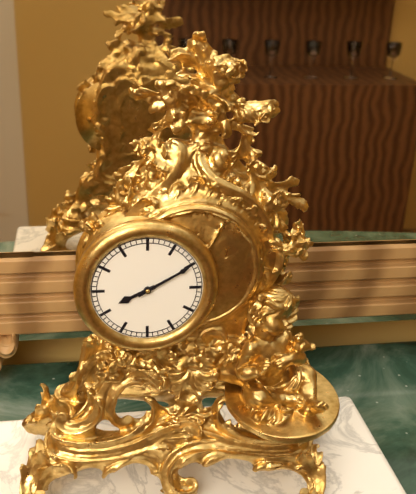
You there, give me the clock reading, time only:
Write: 8:10
